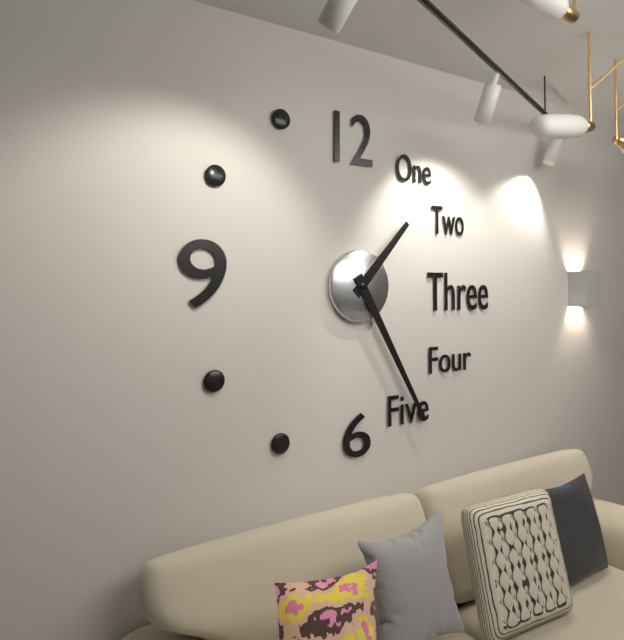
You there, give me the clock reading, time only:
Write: 1:25
